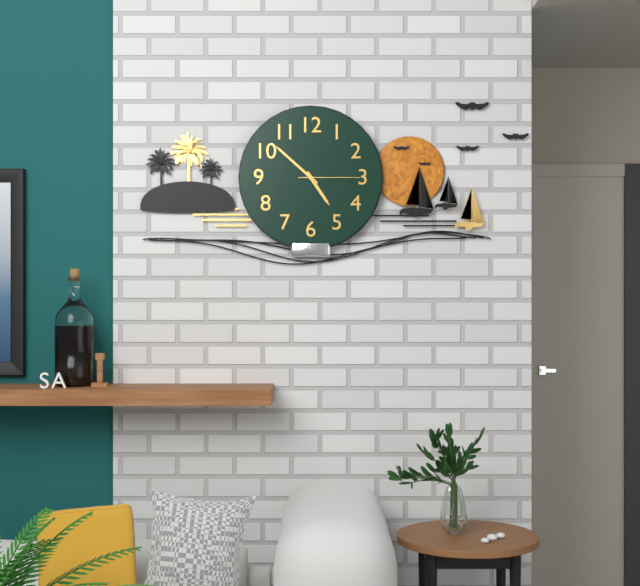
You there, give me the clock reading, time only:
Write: 4:52:15
